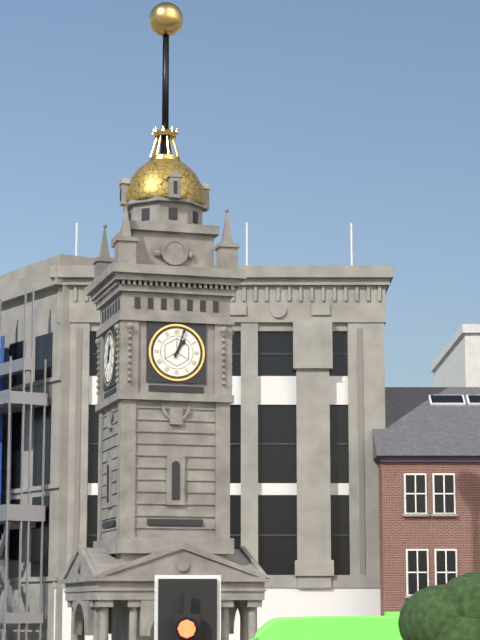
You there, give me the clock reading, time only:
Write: 1:03
